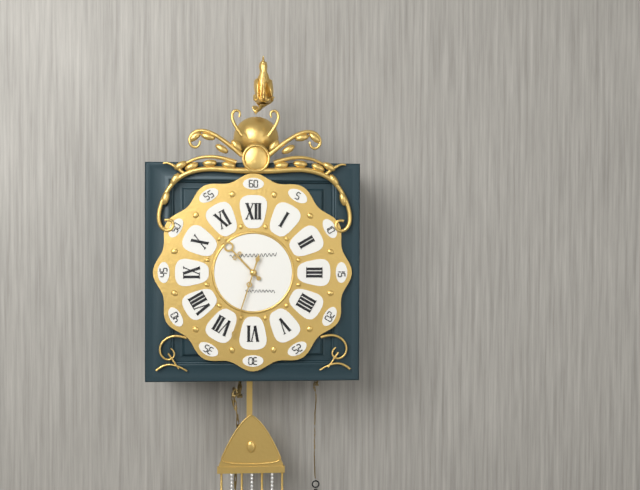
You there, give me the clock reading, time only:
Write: 10:33
